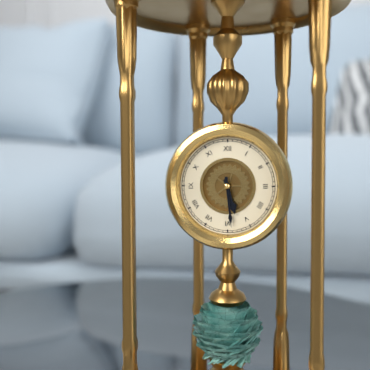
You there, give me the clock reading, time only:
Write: 5:29
